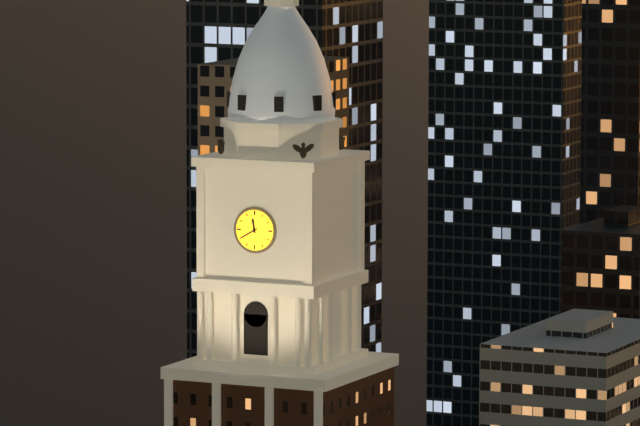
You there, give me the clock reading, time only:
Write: 11:40
